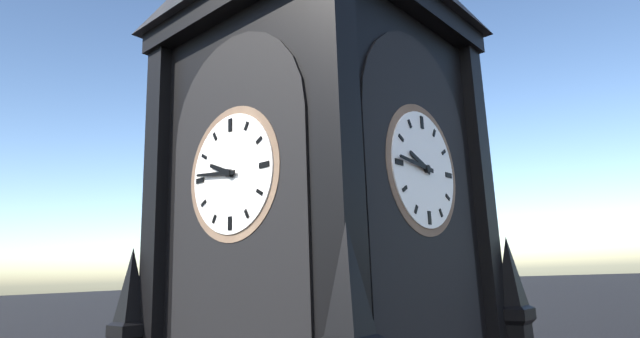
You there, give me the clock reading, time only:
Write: 9:46
